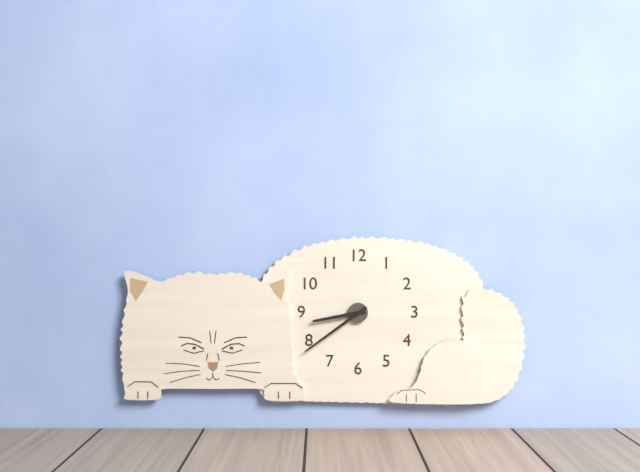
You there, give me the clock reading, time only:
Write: 8:39
